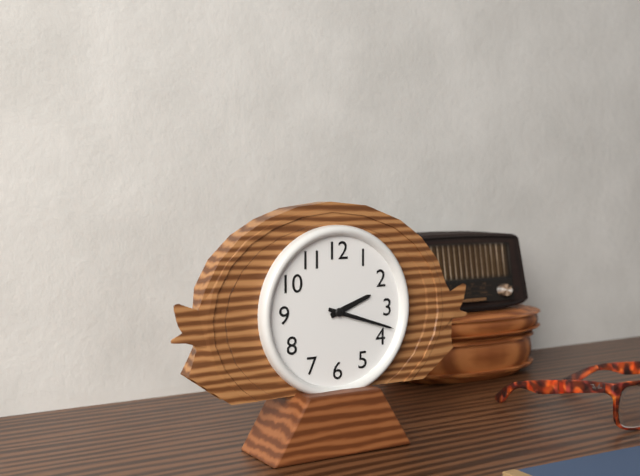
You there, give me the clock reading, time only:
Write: 2:18
